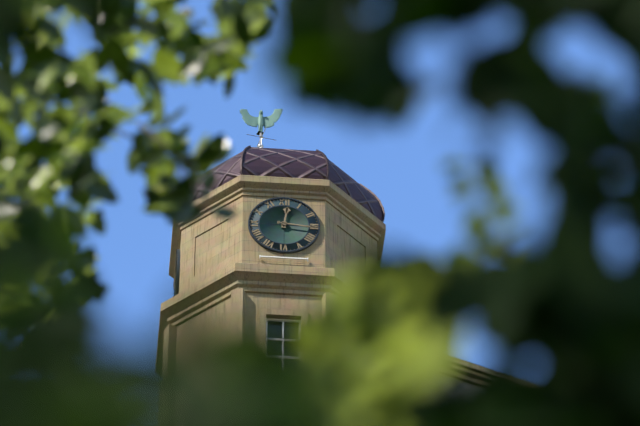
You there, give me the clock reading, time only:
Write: 12:16
